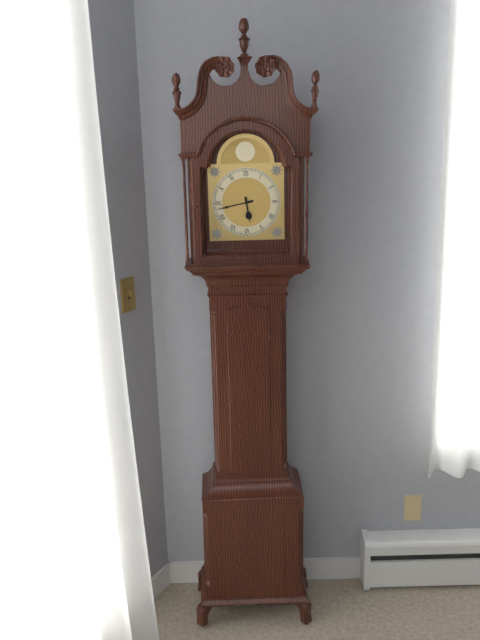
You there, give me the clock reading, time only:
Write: 5:43
